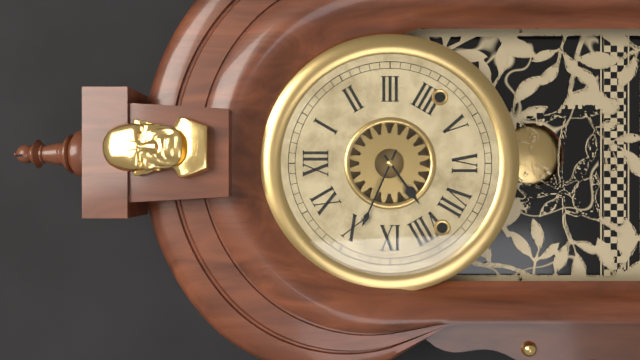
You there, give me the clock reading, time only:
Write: 7:49
